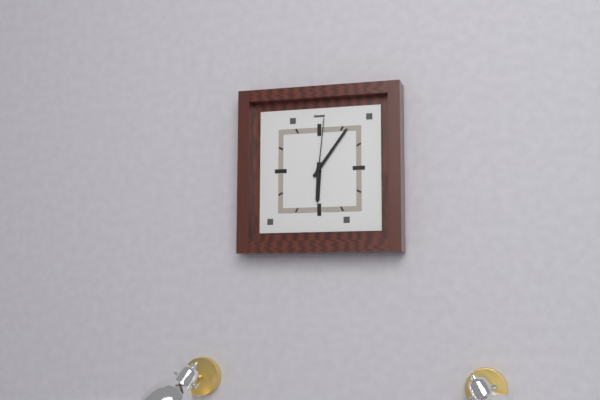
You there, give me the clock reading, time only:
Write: 6:06:01
